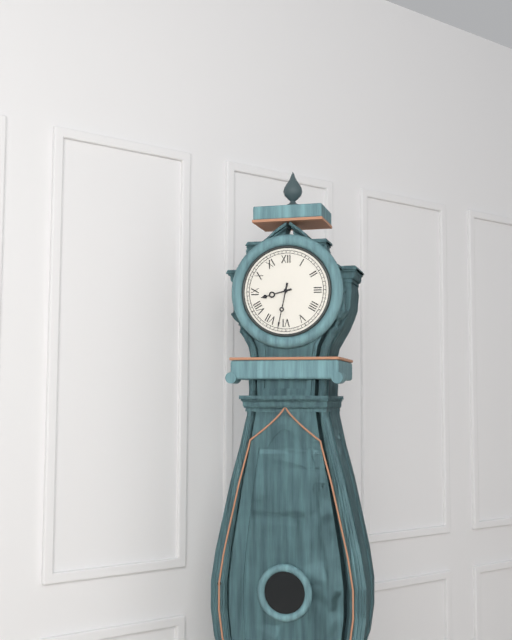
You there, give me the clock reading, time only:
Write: 8:32
